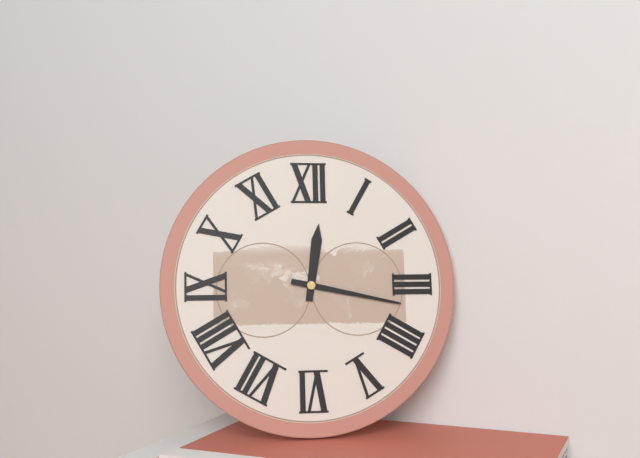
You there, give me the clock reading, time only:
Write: 12:17
